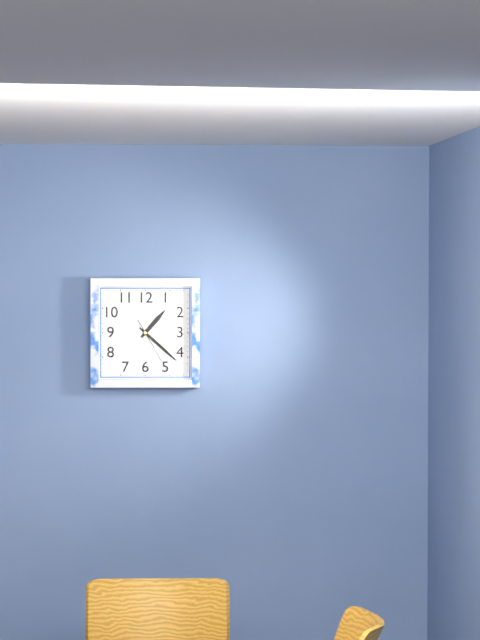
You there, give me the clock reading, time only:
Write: 1:22:25
